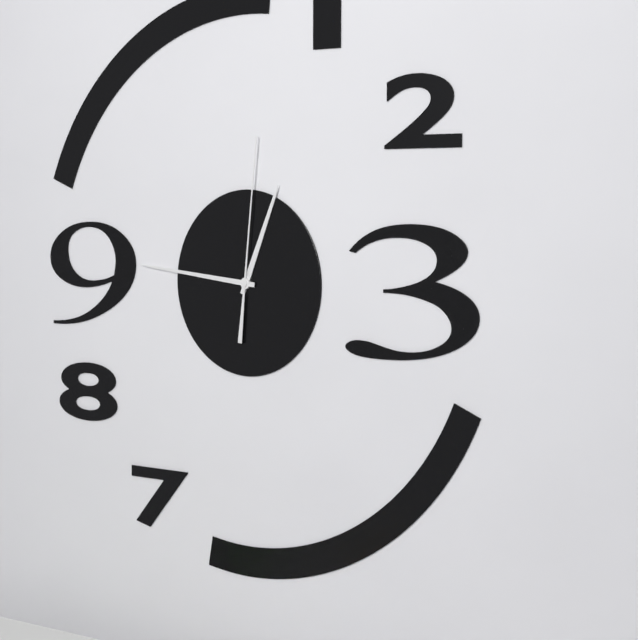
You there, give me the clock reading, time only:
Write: 12:46:01
